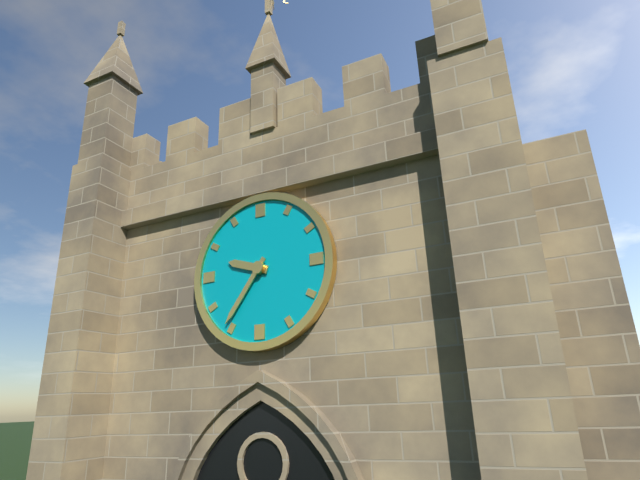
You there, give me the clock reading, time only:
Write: 9:36
